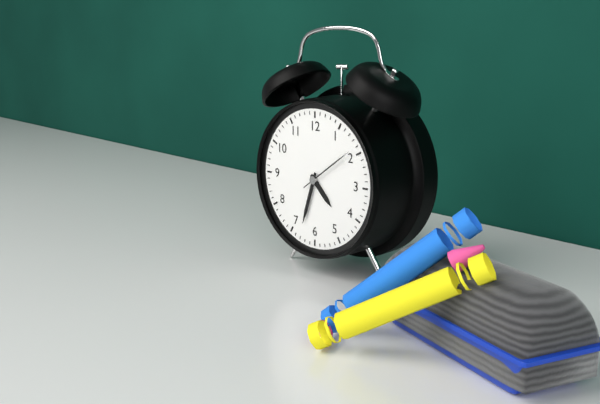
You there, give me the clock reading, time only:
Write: 4:33:09
